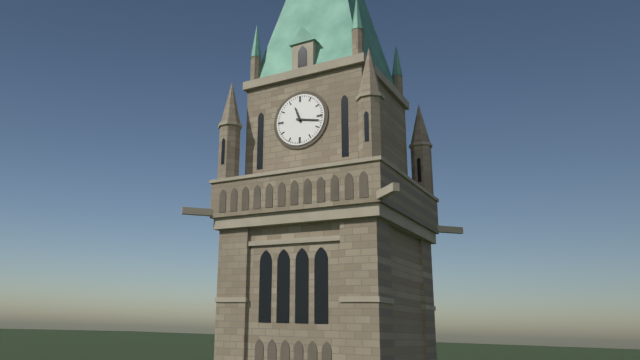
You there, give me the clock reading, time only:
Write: 11:17
